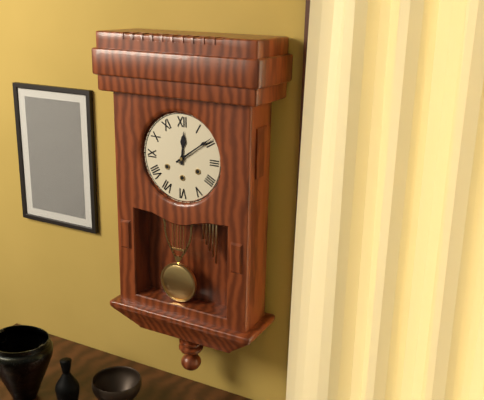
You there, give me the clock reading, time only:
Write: 12:09
